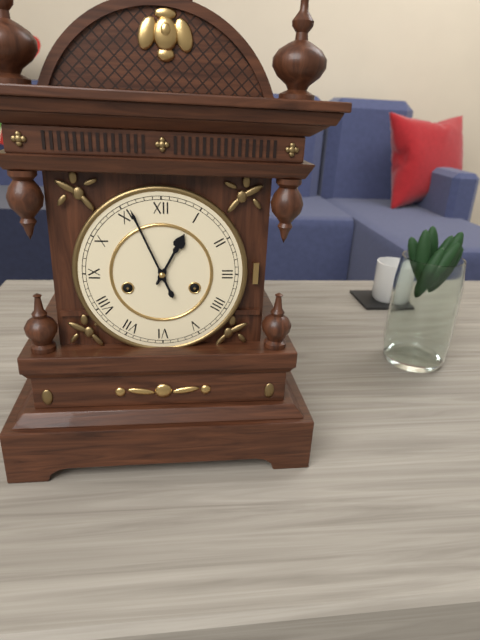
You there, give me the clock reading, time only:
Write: 12:56
